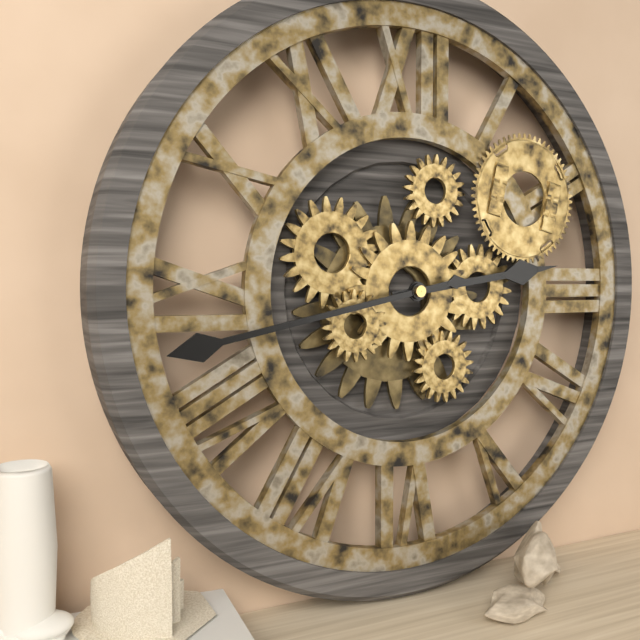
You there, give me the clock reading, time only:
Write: 2:43
